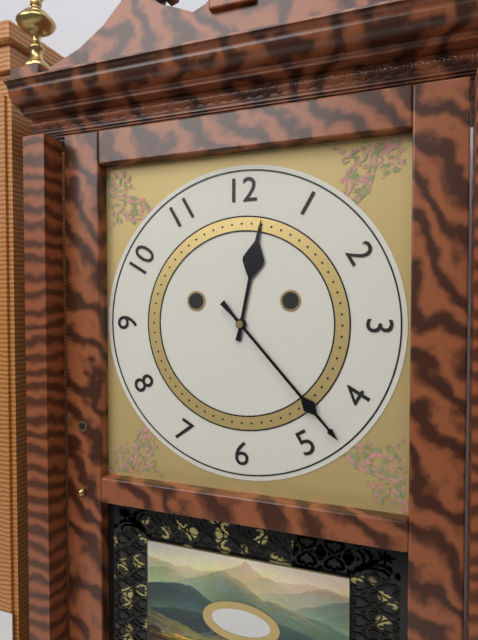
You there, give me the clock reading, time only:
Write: 12:23
